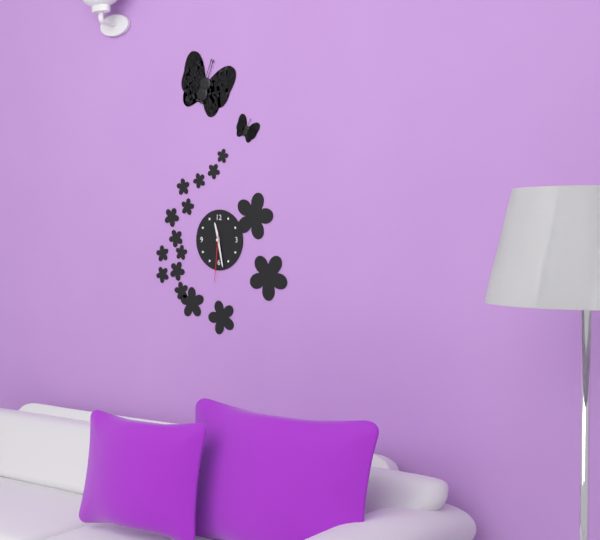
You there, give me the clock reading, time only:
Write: 11:28:31
